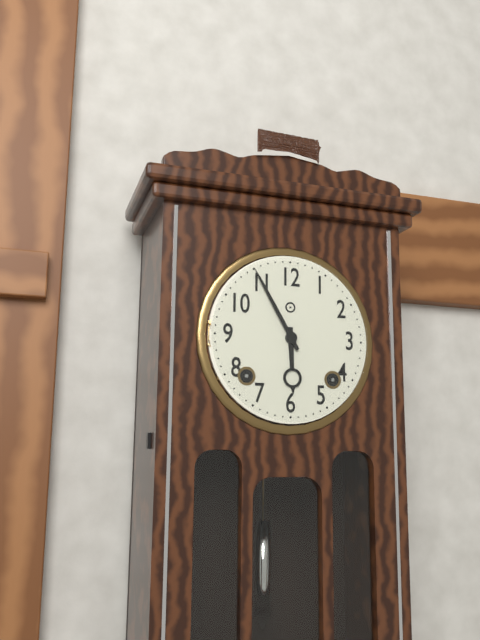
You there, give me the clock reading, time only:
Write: 5:55
